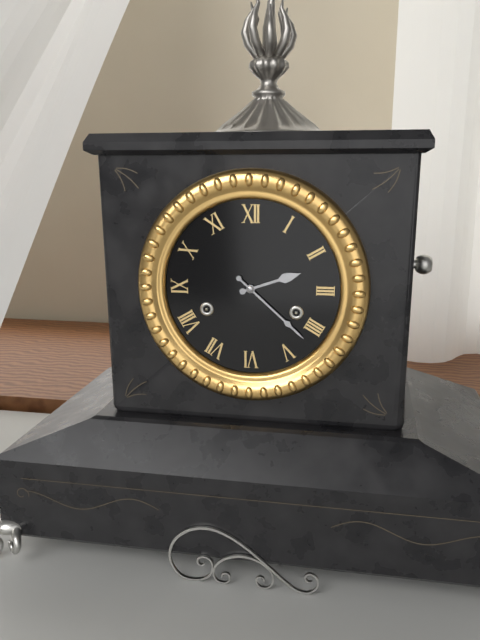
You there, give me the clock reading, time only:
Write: 2:22
